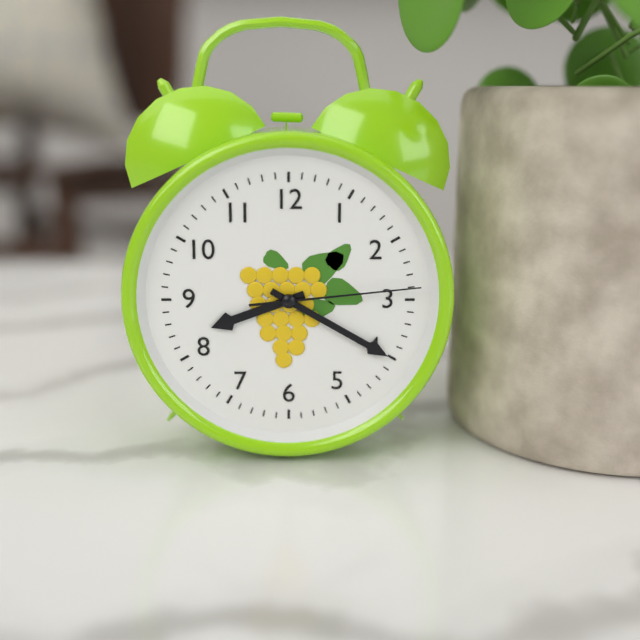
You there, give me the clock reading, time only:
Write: 8:20:14
